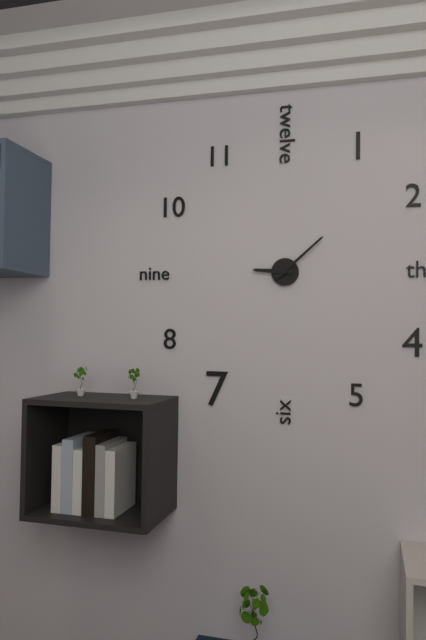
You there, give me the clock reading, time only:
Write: 9:08
